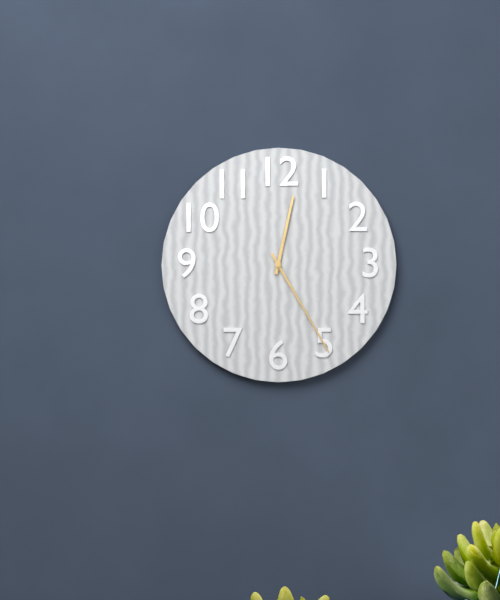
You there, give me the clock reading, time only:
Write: 12:25
